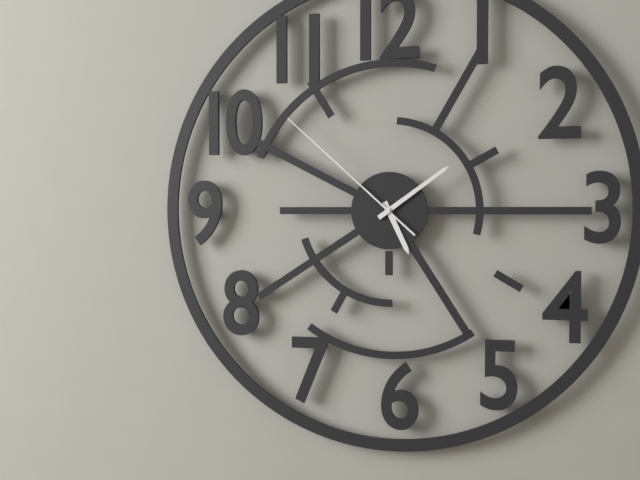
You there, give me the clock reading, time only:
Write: 5:09:52
